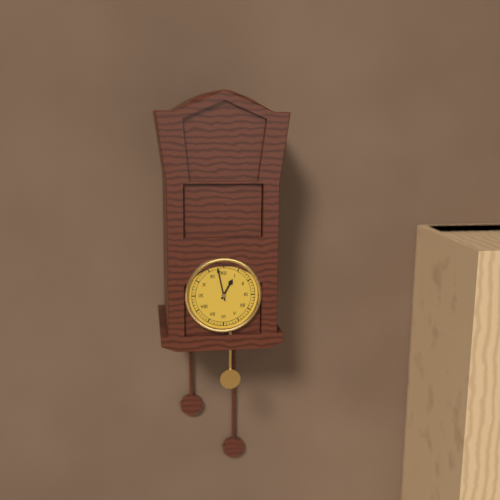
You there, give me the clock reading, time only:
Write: 12:58
